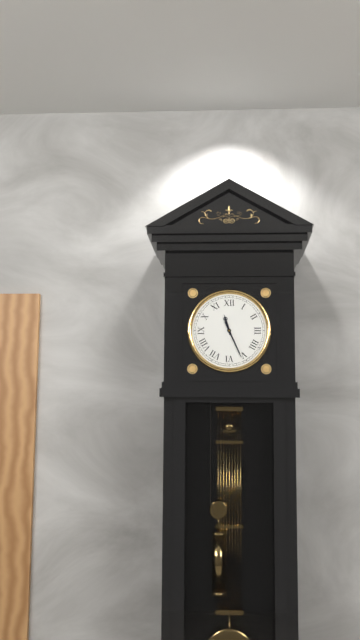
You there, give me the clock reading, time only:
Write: 11:26
